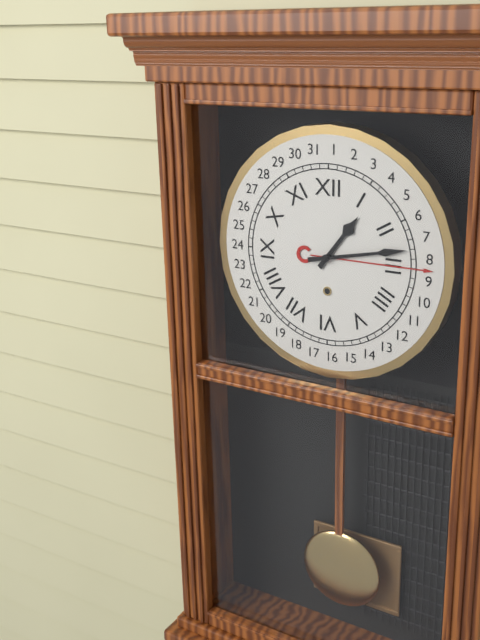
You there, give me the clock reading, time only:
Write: 1:13
